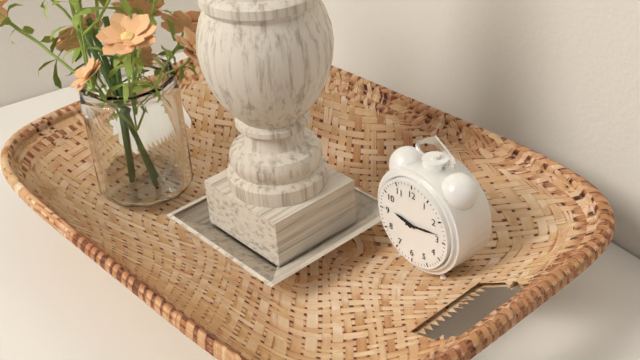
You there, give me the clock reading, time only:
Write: 9:13
